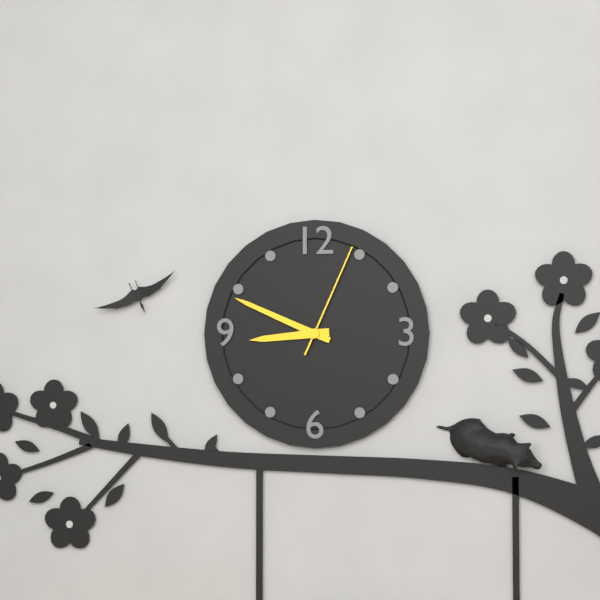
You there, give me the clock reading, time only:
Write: 8:49:04
